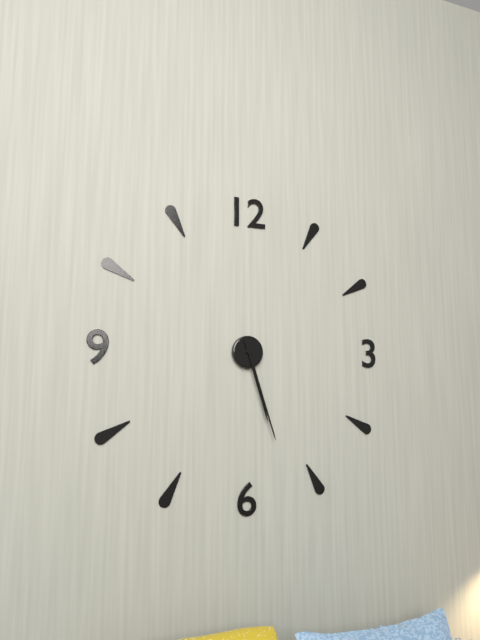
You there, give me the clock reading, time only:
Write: 5:27
